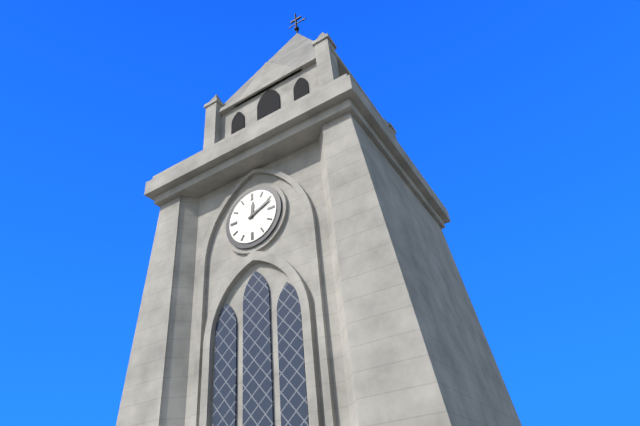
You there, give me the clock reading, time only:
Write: 12:11
